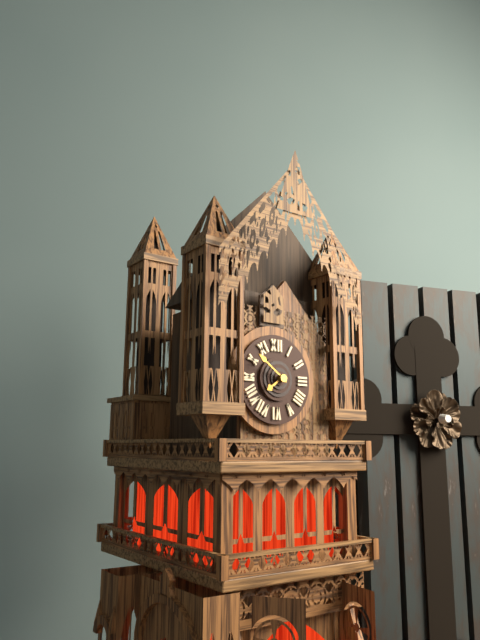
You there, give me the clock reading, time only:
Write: 7:51
